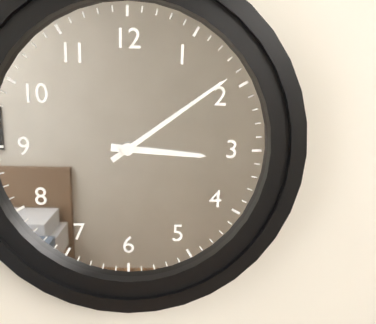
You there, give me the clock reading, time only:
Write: 3:09
